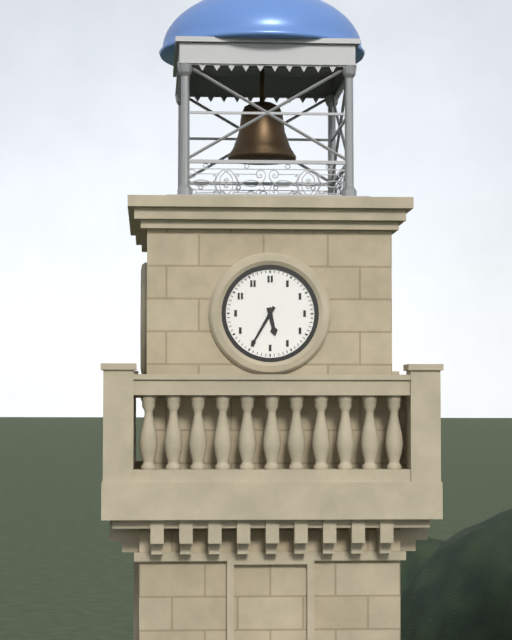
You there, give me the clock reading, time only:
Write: 5:35
